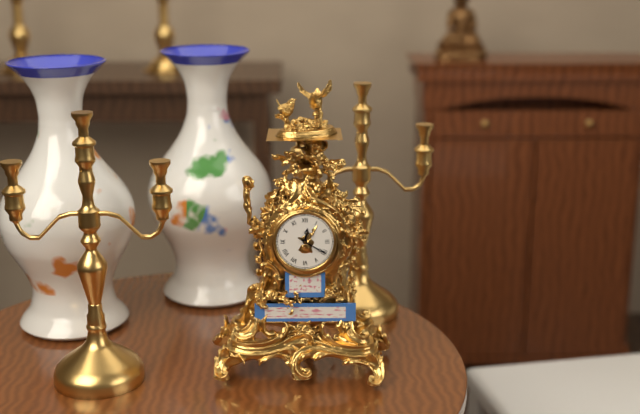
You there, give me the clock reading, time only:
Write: 12:20
